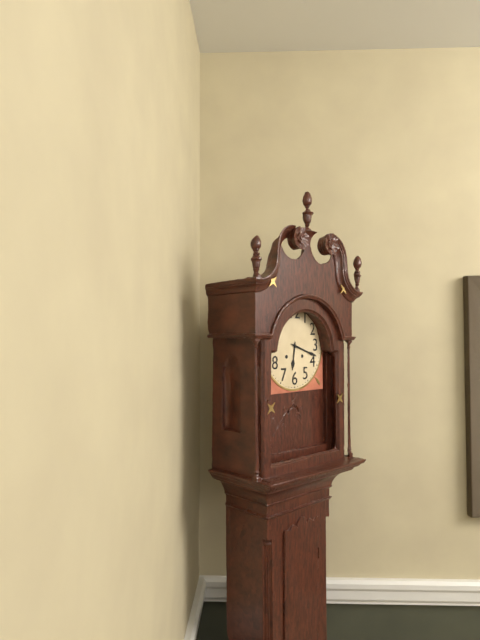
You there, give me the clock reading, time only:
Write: 6:18
